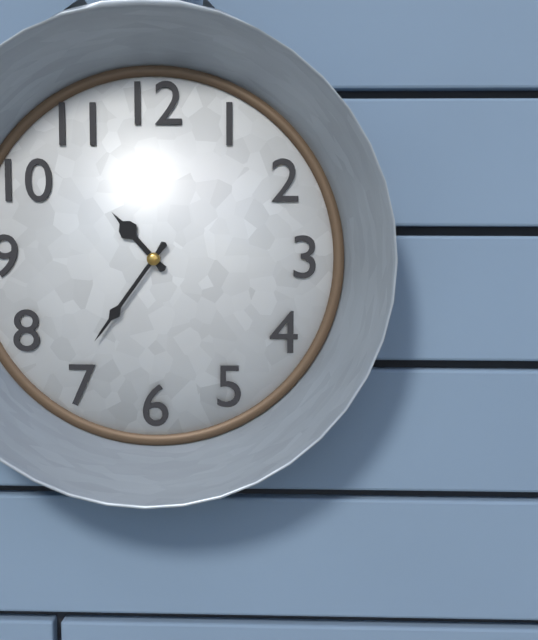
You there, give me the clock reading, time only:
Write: 10:36
